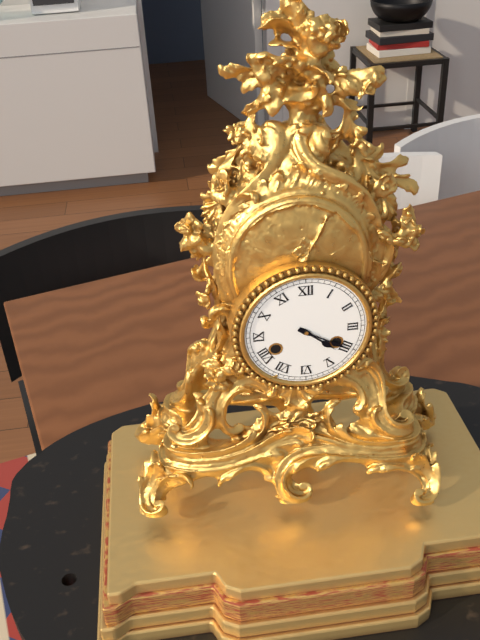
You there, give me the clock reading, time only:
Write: 4:20
